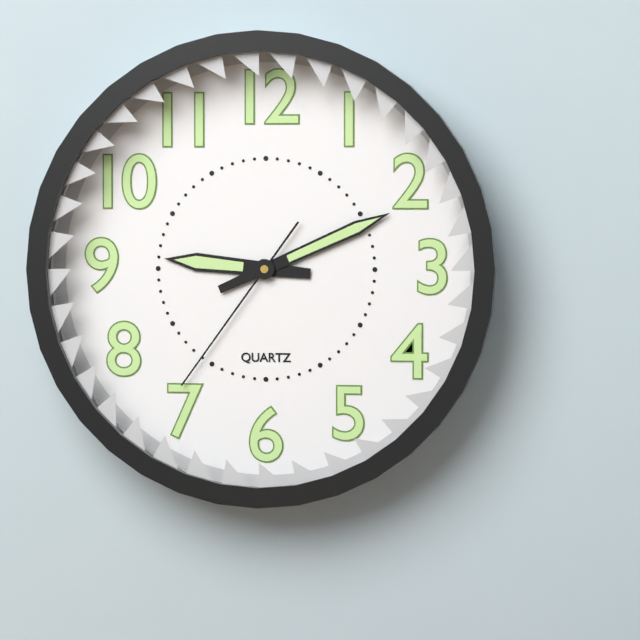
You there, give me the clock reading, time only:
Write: 9:11:36
